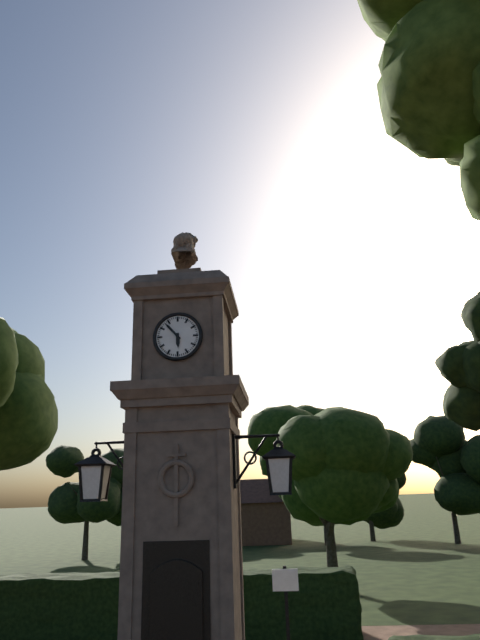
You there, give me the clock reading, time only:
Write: 5:53
